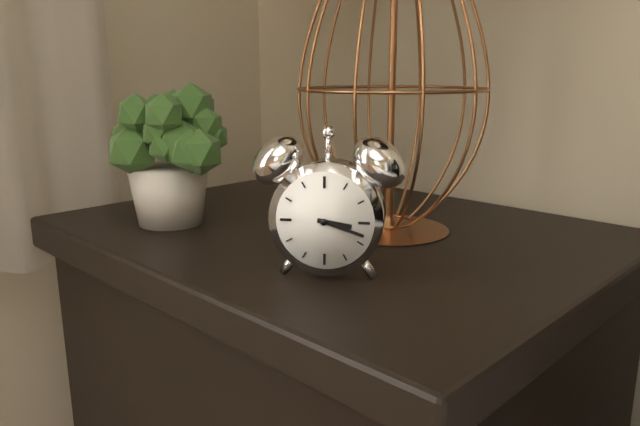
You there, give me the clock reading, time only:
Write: 3:18
